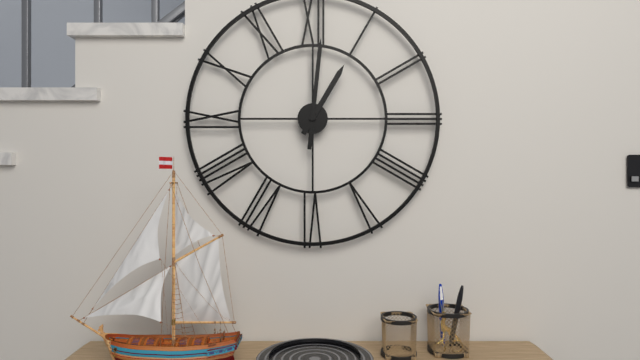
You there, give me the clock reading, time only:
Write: 1:01
